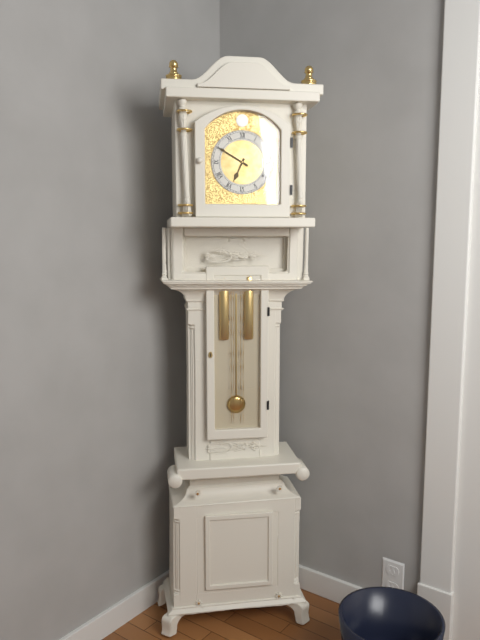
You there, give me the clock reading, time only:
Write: 6:50
